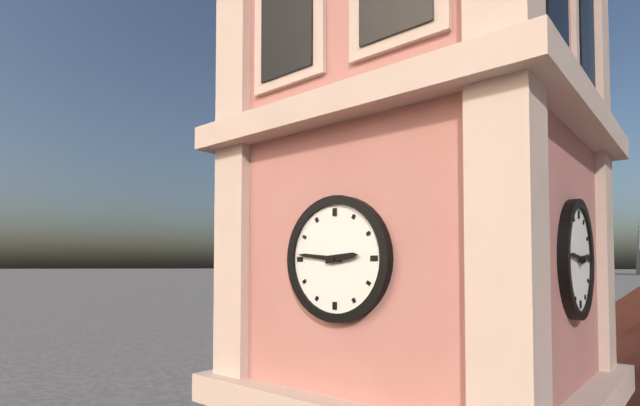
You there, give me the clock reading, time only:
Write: 2:46
